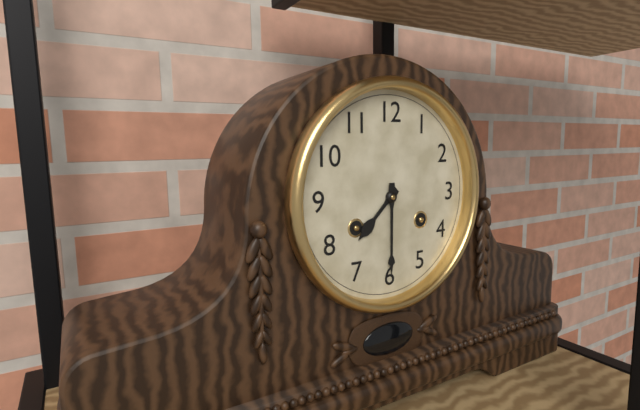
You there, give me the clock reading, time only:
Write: 7:30
